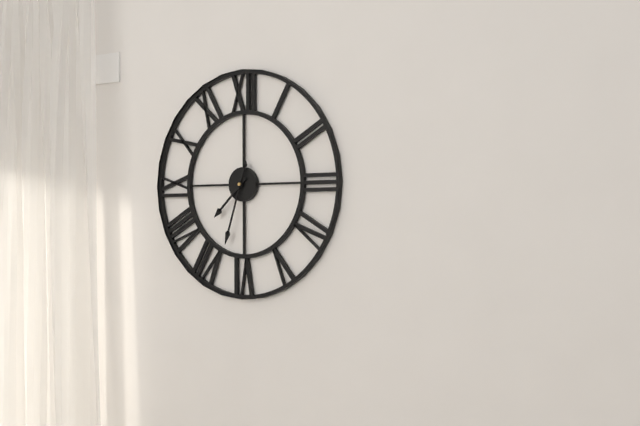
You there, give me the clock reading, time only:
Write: 7:33
